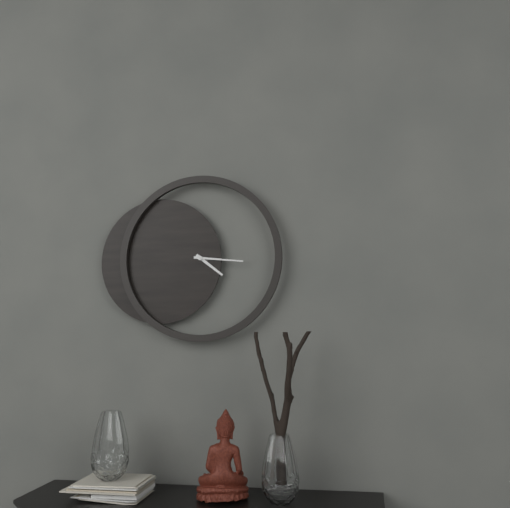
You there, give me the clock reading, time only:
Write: 4:16
